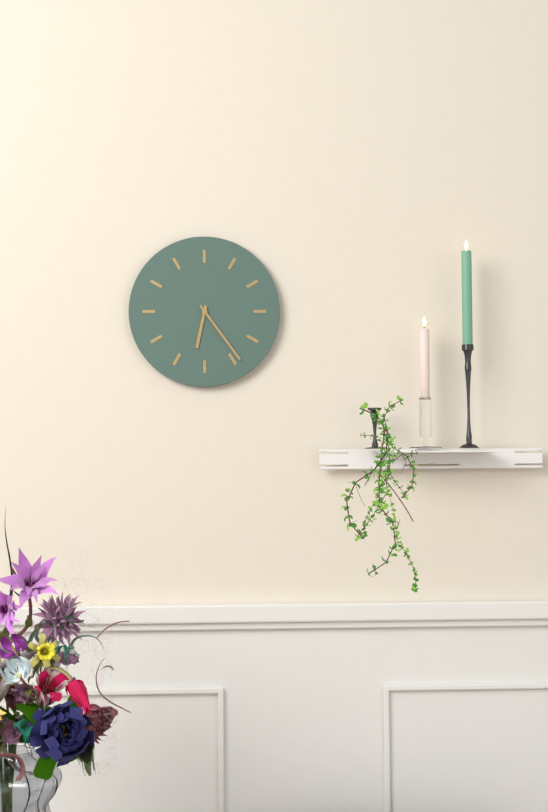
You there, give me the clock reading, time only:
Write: 6:24
